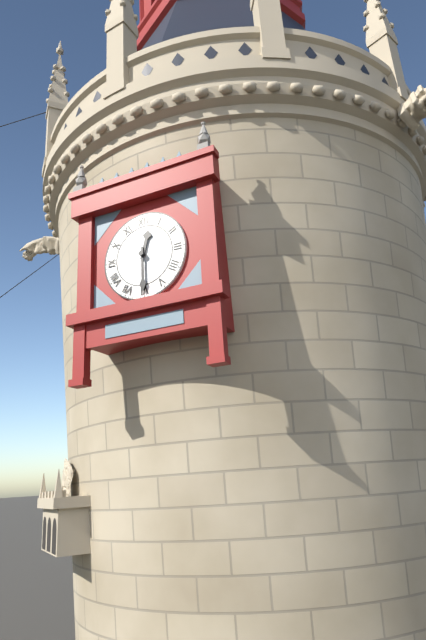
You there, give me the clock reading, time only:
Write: 12:30
